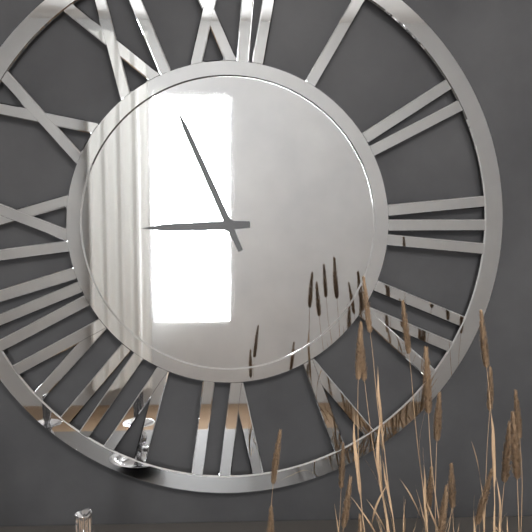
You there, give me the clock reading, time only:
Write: 8:56
